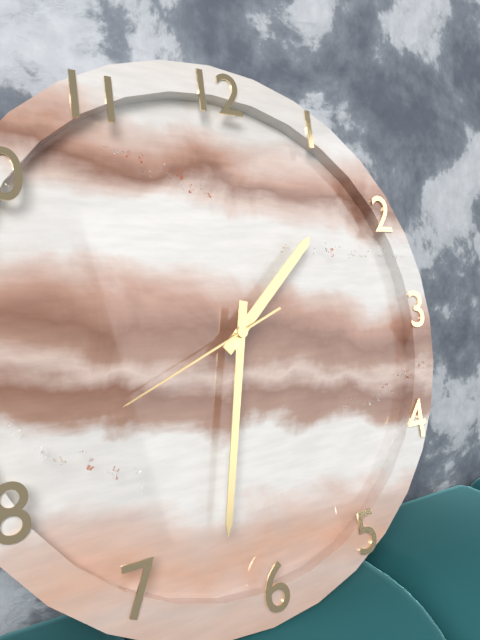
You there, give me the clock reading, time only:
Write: 1:32:41
